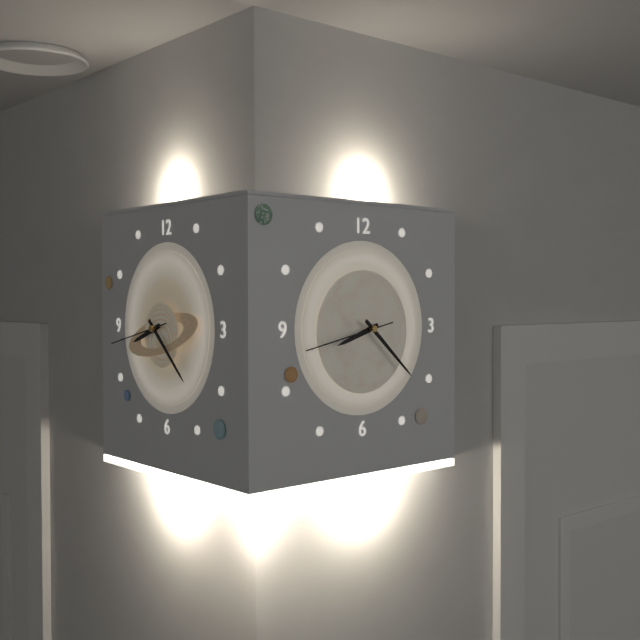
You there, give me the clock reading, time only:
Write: 8:22:43
